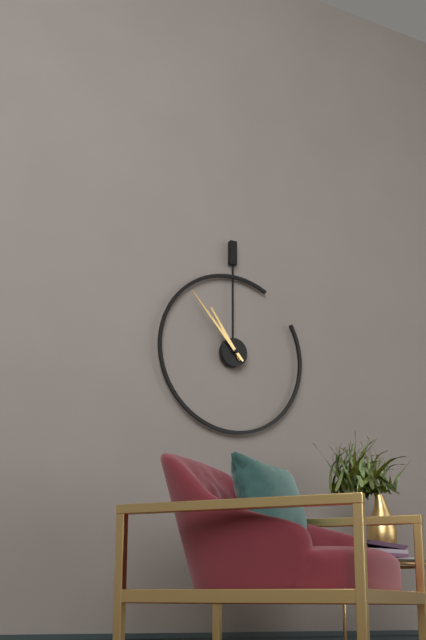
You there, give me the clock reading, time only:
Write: 10:53
